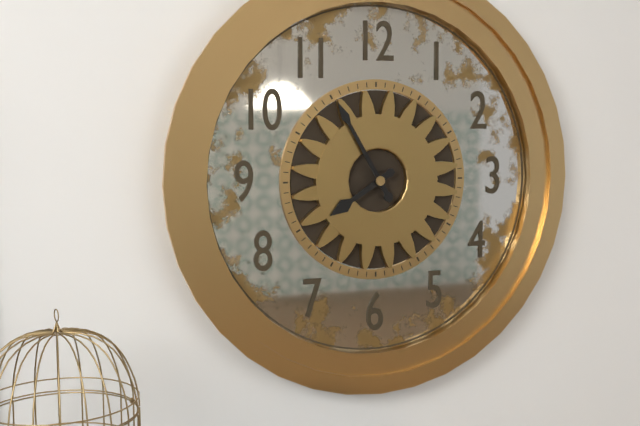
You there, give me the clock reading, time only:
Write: 7:55
